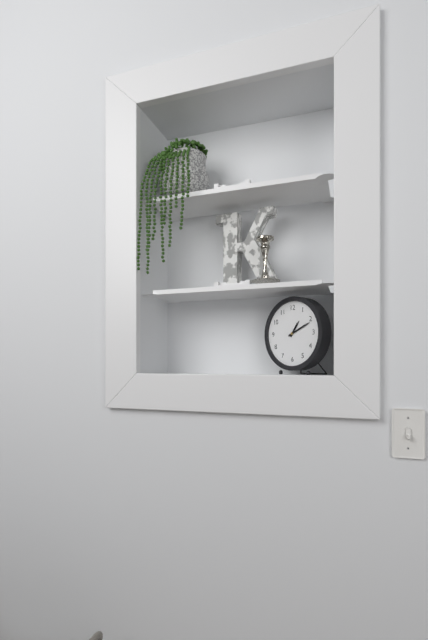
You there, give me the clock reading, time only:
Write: 1:11
